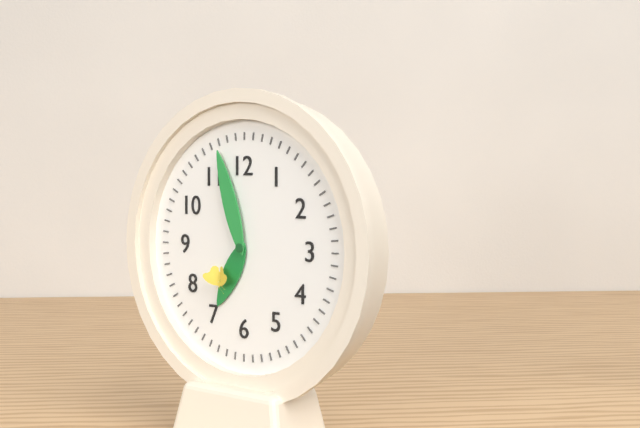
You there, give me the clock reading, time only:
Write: 6:57
